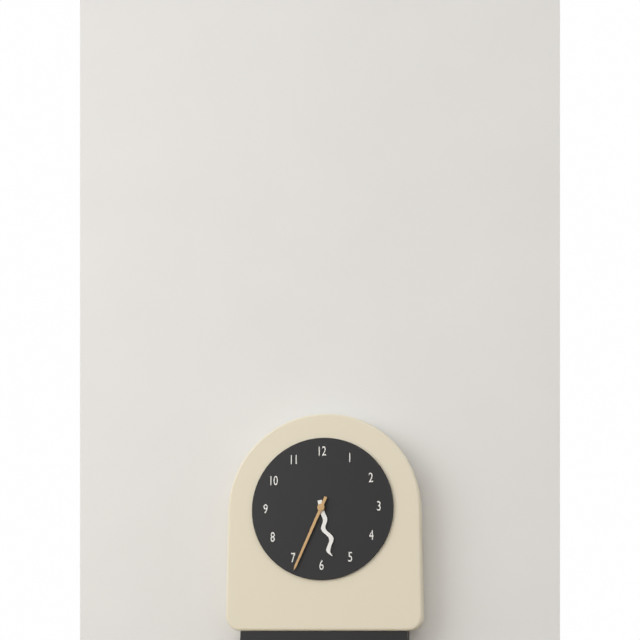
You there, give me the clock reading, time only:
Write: 5:34
